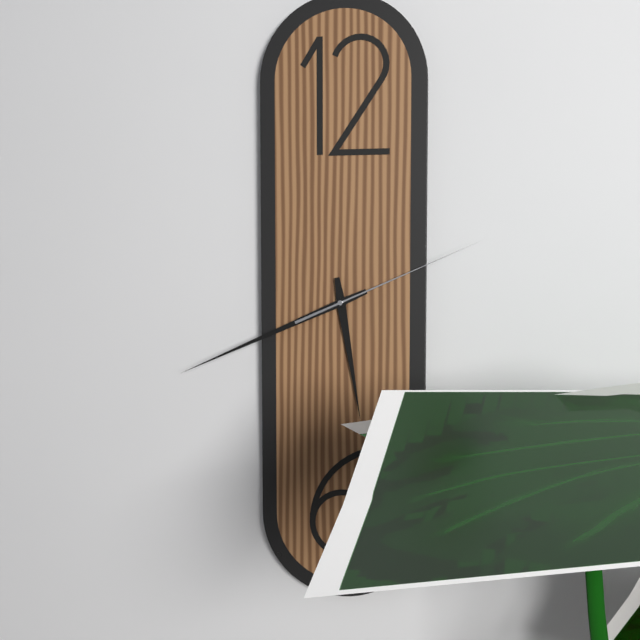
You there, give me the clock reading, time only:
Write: 5:41:11
